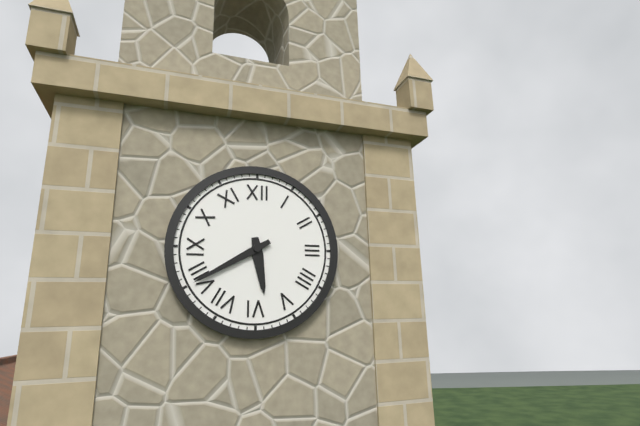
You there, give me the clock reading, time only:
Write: 5:40
